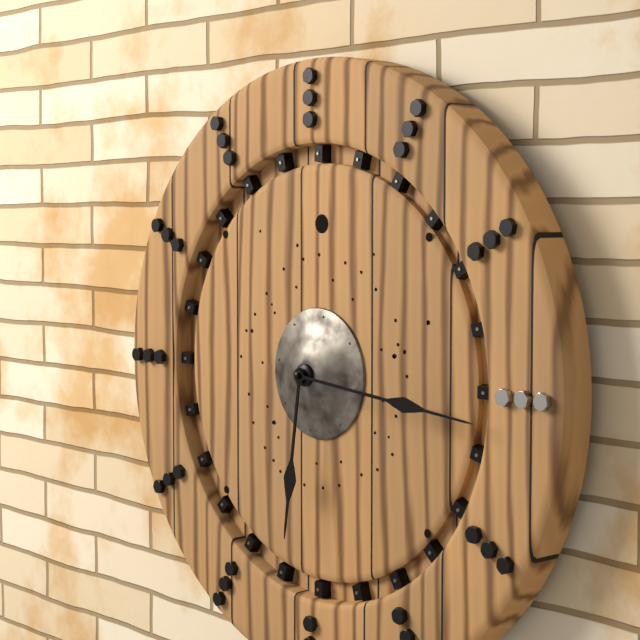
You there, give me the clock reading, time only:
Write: 6:16
